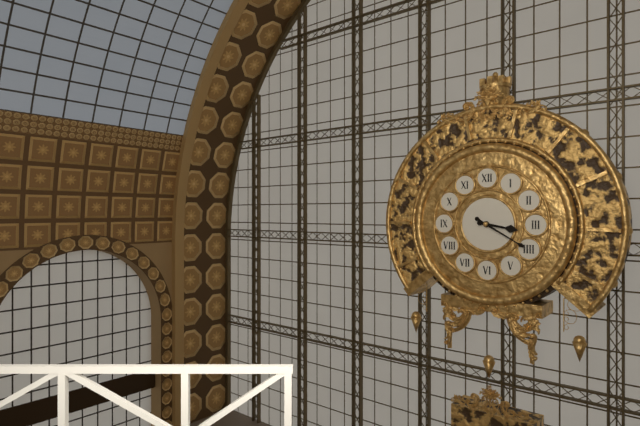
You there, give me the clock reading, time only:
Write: 3:20
